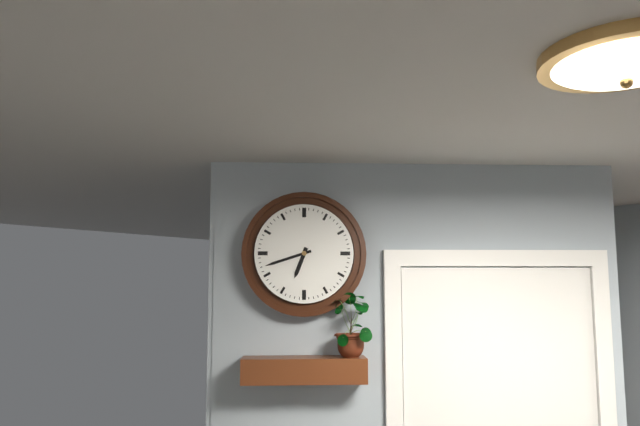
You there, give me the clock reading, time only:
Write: 6:42
